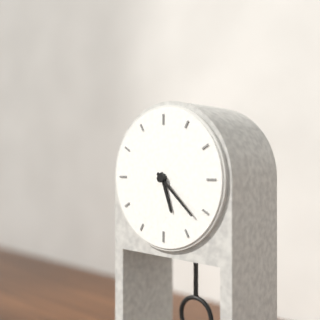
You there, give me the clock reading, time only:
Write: 5:22
